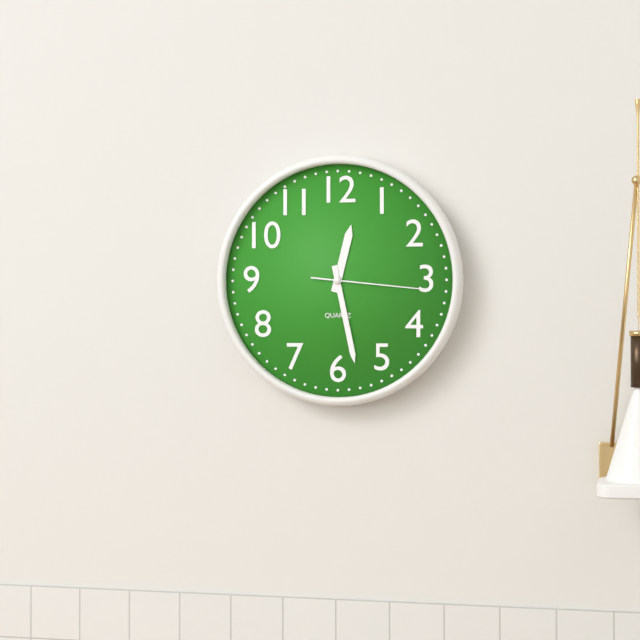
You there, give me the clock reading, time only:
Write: 12:28:16
